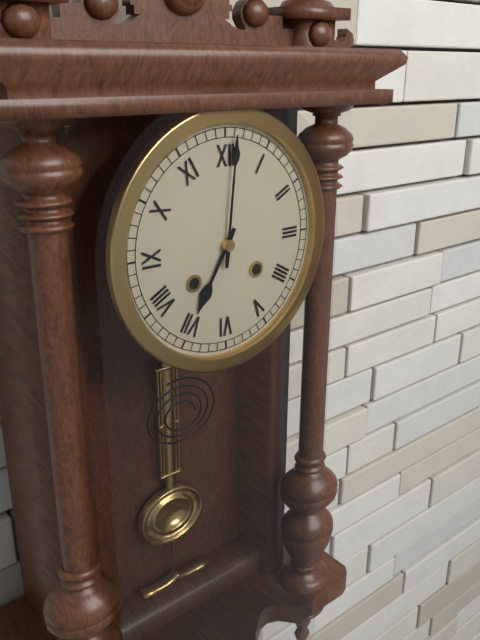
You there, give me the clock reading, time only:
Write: 7:01
